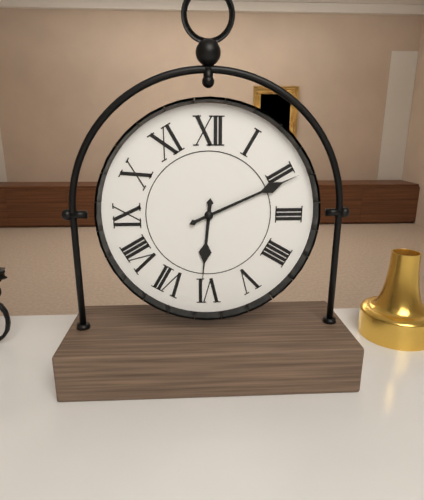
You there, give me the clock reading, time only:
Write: 6:11
